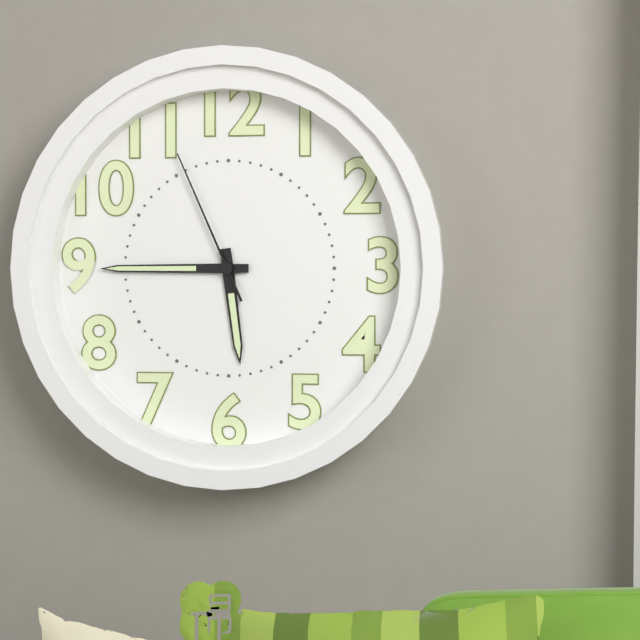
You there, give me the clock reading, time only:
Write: 5:45:56
